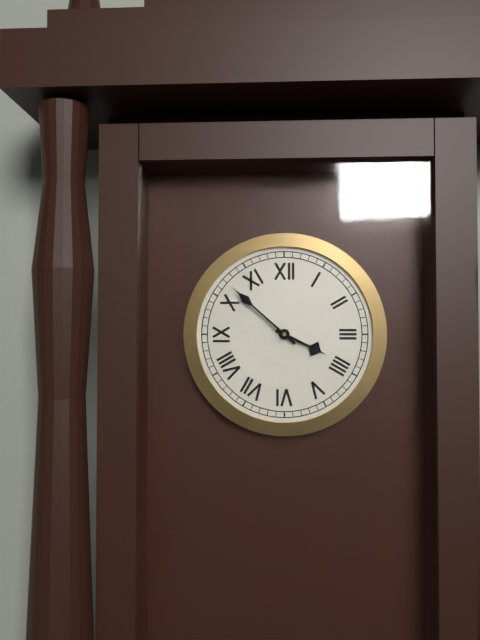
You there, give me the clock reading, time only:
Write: 3:52
